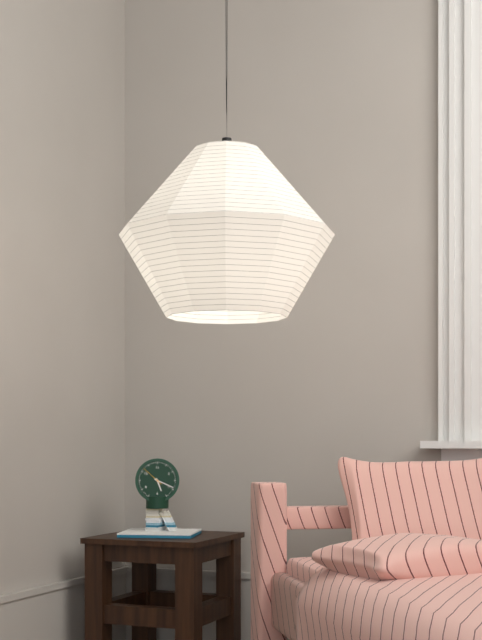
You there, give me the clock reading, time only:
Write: 5:19
